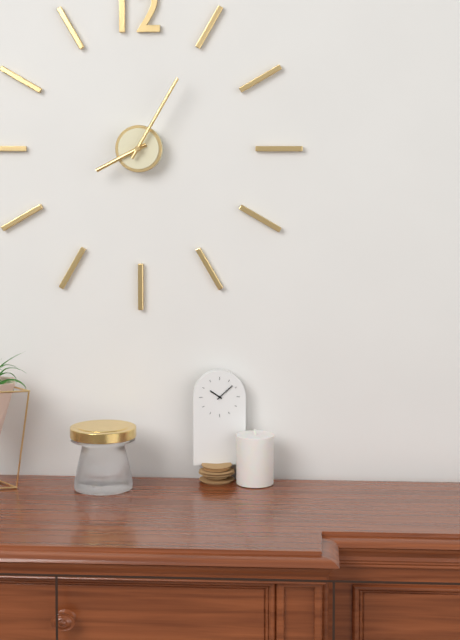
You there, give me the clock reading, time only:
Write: 8:05
